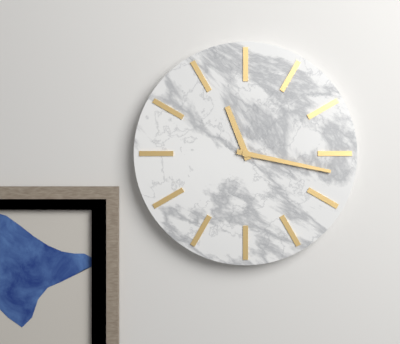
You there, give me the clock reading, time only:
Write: 11:17
